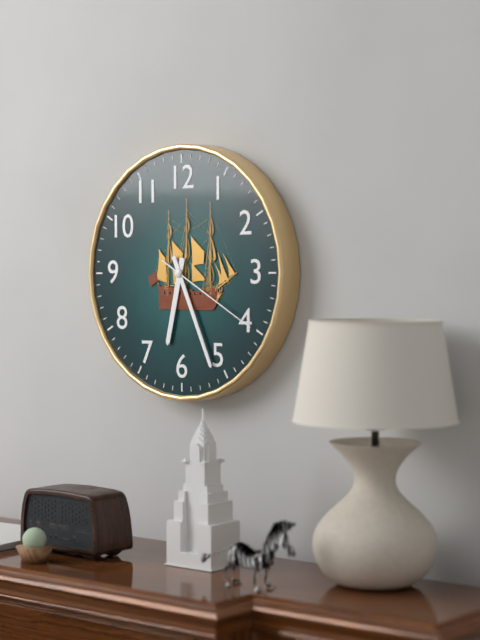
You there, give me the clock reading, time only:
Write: 6:26:20
